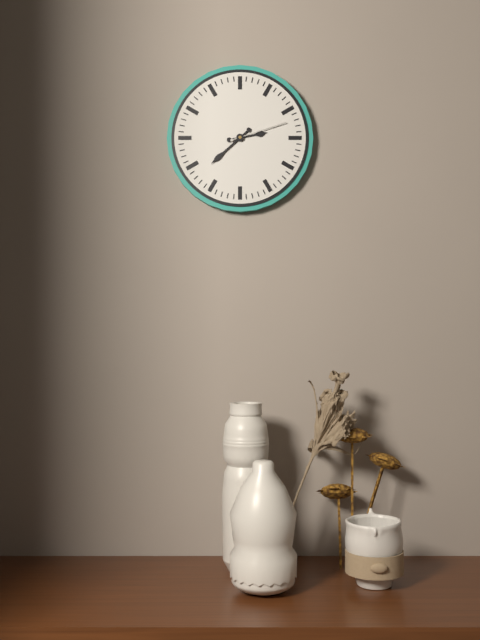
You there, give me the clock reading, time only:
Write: 2:38:12
